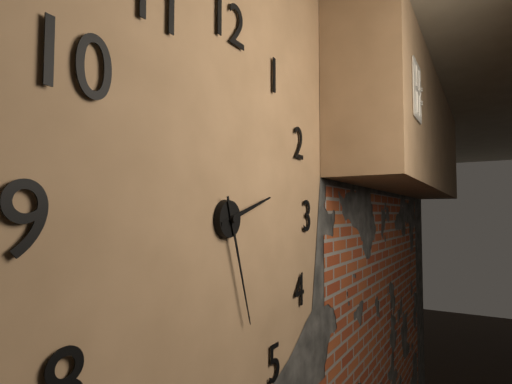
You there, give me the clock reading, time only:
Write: 2:27
